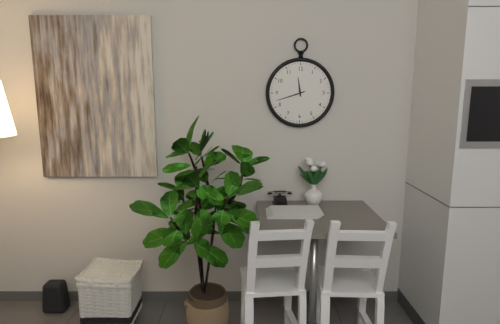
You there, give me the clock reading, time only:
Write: 11:42
